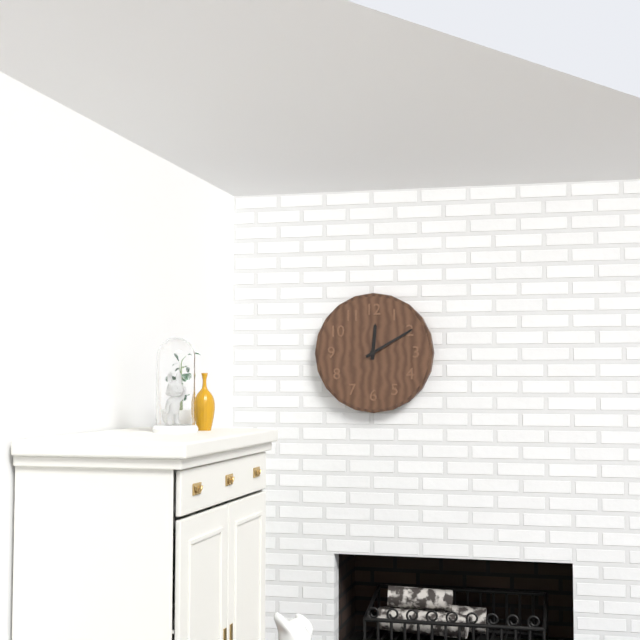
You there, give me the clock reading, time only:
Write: 12:10
